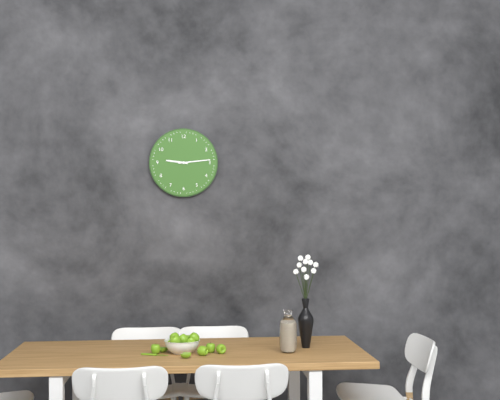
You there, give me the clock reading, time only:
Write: 9:14
